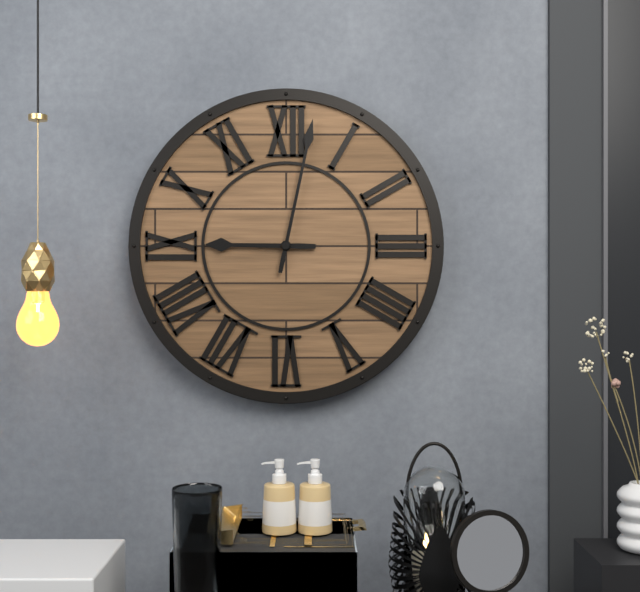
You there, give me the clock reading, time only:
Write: 9:02
